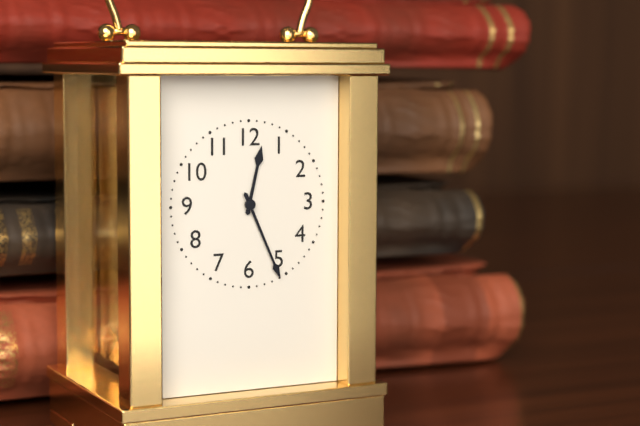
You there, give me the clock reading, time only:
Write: 12:26
